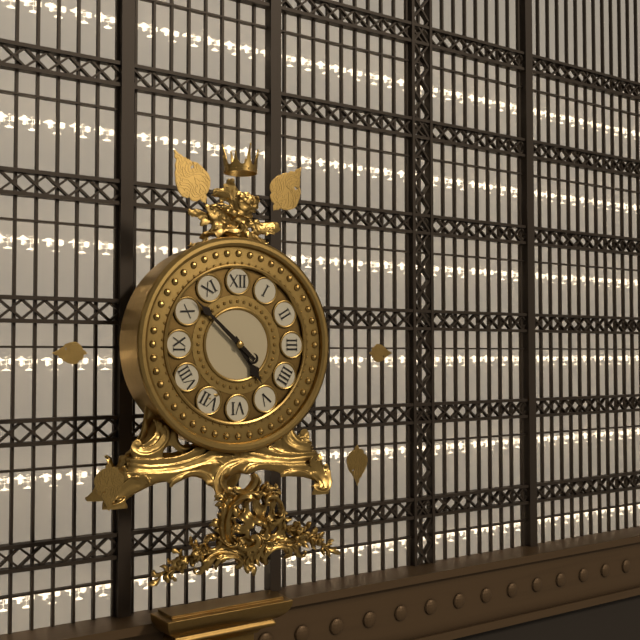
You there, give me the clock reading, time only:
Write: 4:52
